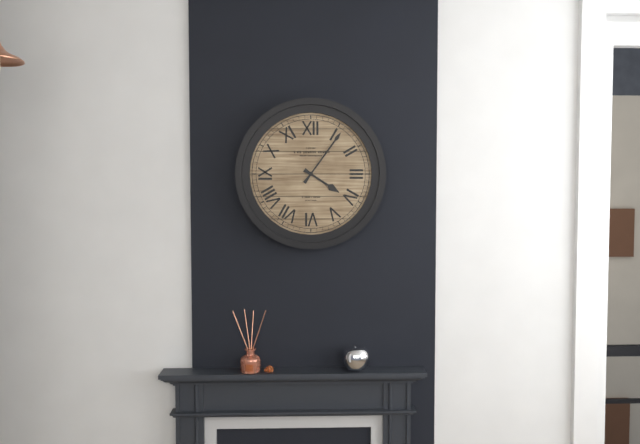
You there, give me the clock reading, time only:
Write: 4:06
